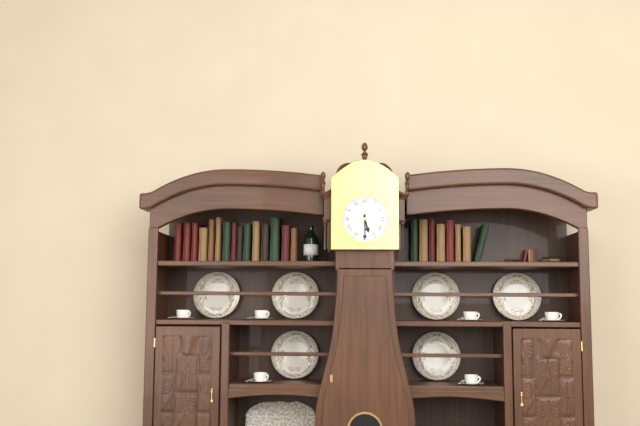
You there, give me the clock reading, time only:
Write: 5:30
